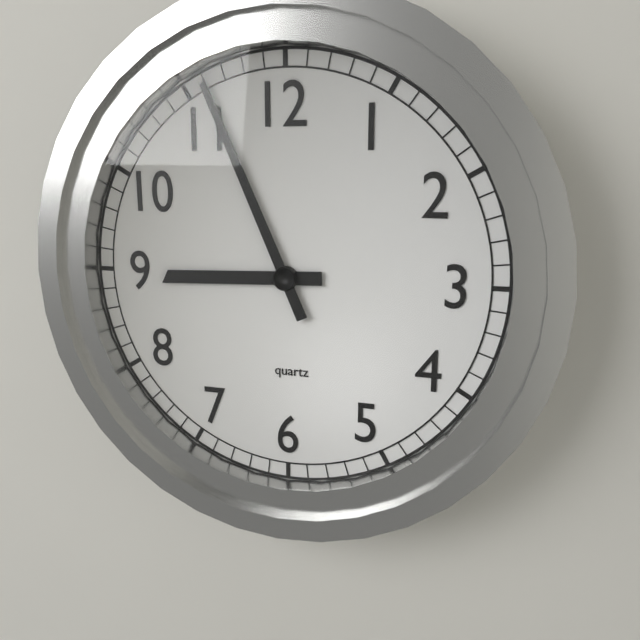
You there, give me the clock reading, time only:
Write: 8:56
